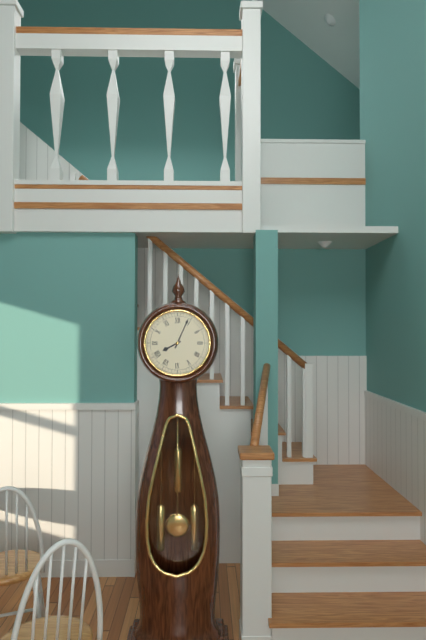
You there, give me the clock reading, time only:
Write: 8:04
